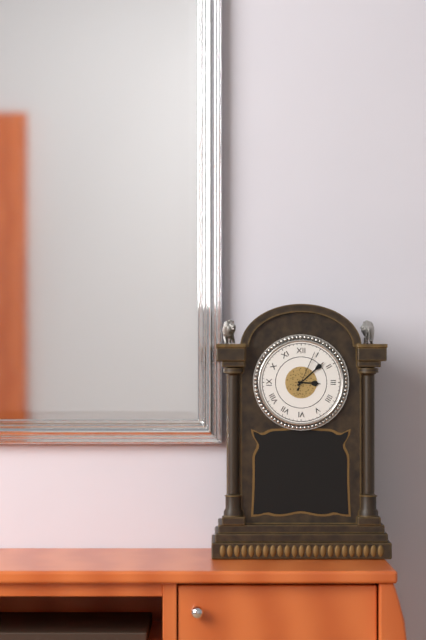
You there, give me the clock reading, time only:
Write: 3:08
